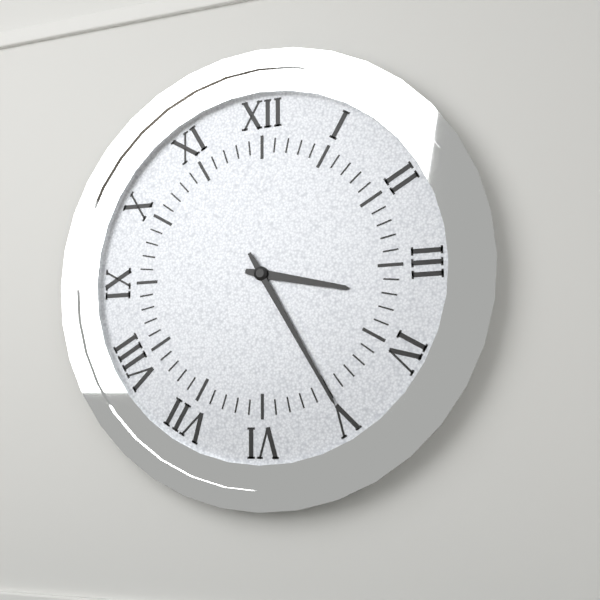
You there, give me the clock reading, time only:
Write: 3:25
